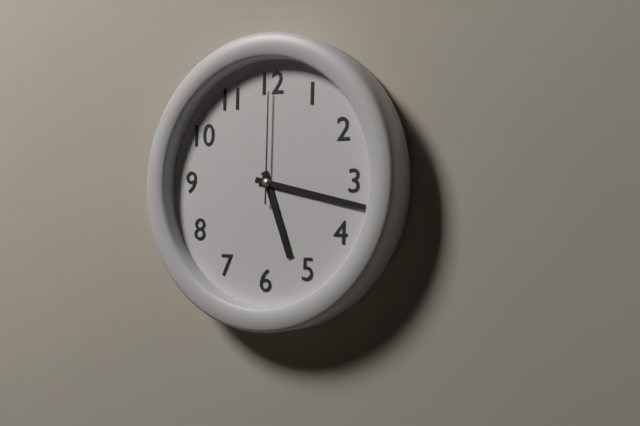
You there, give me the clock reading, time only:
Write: 5:17:00
